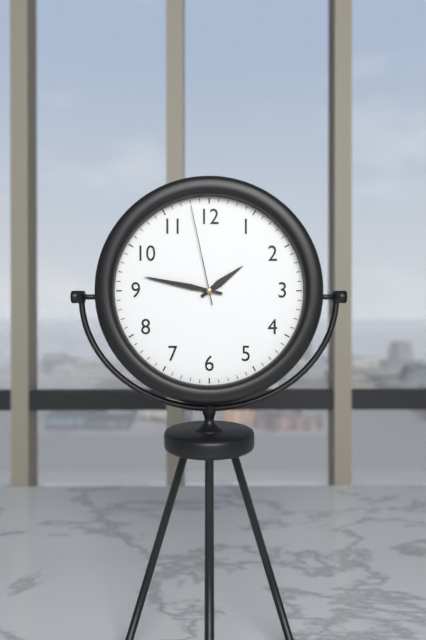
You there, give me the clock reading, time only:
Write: 1:47:58
